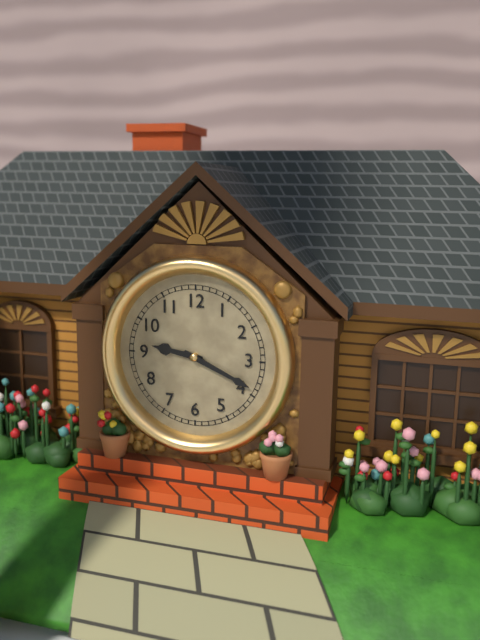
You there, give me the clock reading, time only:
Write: 9:19
